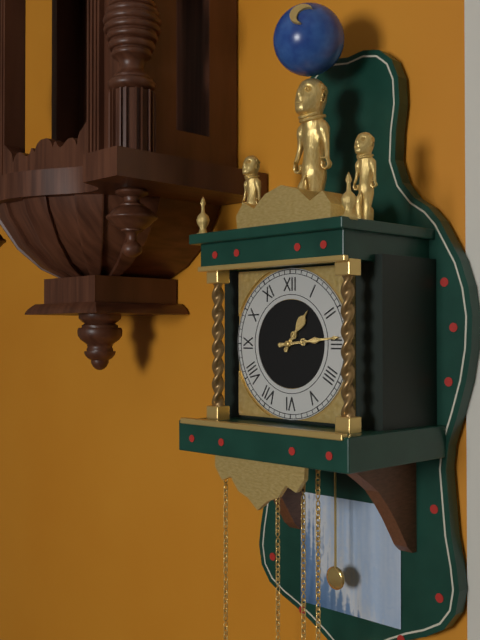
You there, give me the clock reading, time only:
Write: 1:14
